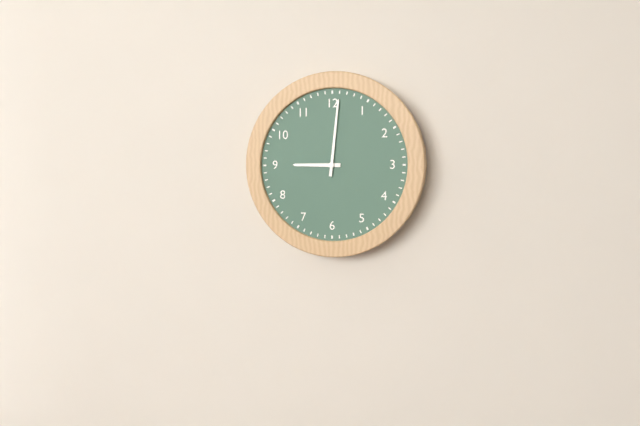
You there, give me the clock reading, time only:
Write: 9:01
